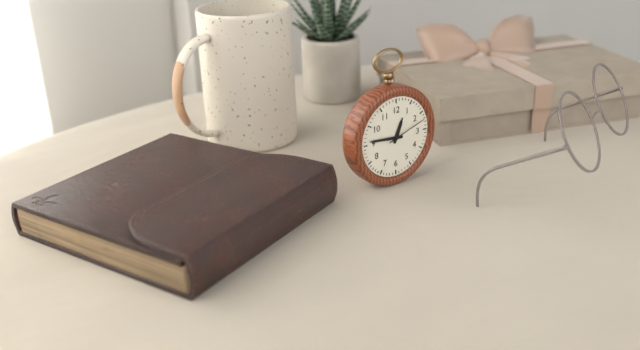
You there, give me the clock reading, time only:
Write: 12:46
